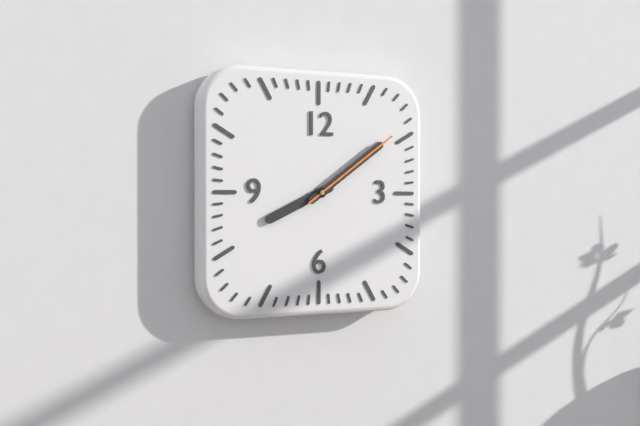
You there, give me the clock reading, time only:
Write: 8:09:09
